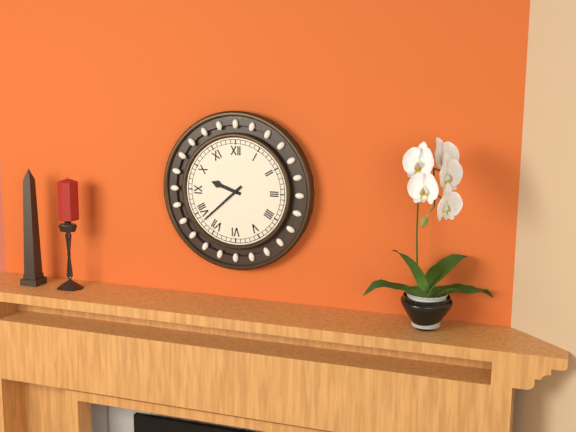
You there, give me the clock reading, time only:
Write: 9:38
